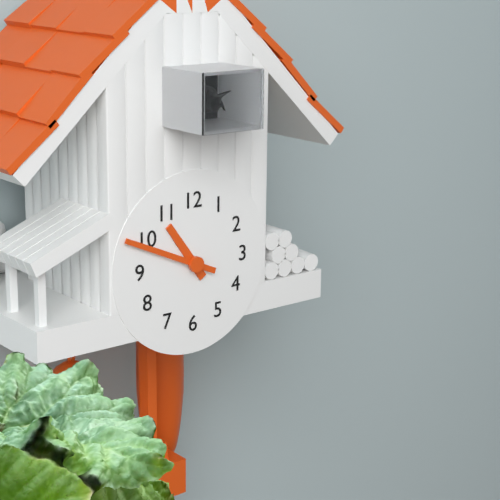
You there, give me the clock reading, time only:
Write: 10:49
